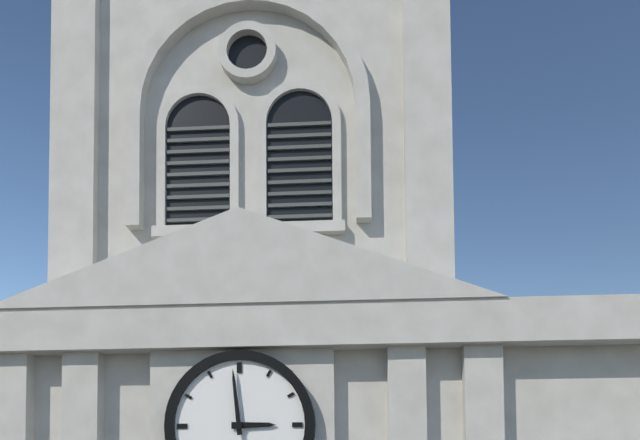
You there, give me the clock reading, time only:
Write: 2:59
